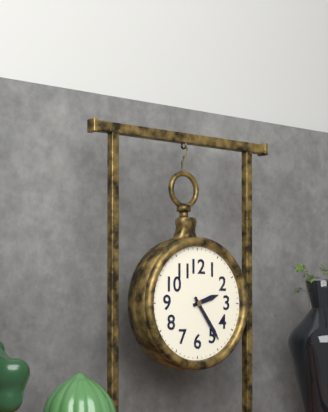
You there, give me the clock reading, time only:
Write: 2:24
